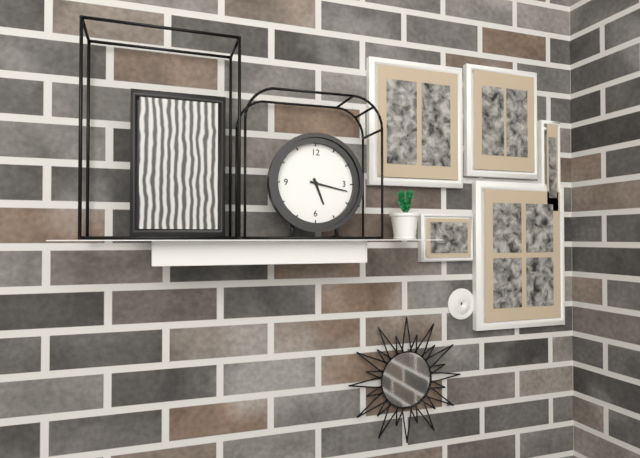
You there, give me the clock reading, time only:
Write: 5:17
